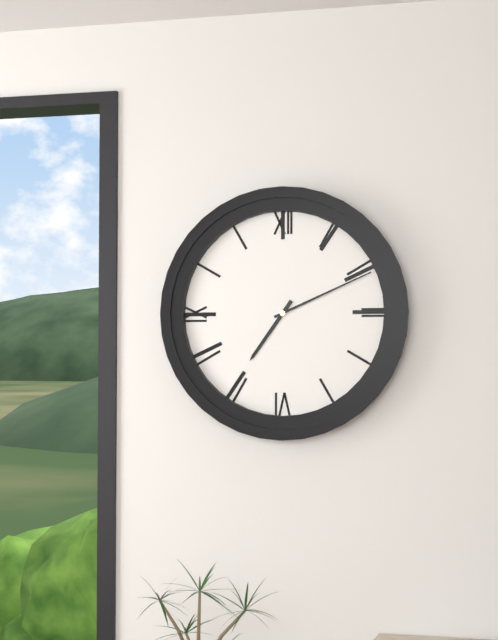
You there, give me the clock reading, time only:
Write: 7:11
